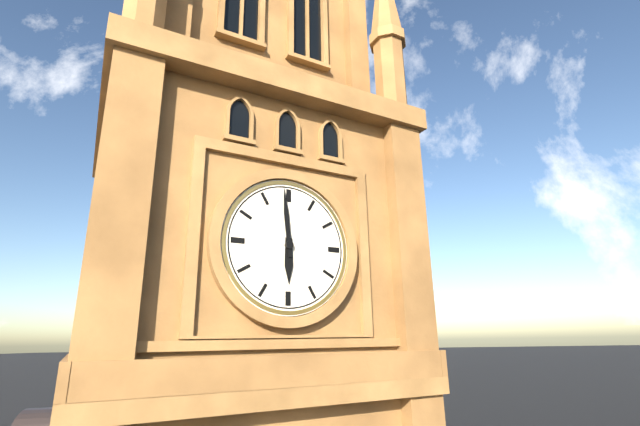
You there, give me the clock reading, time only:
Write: 5:59
